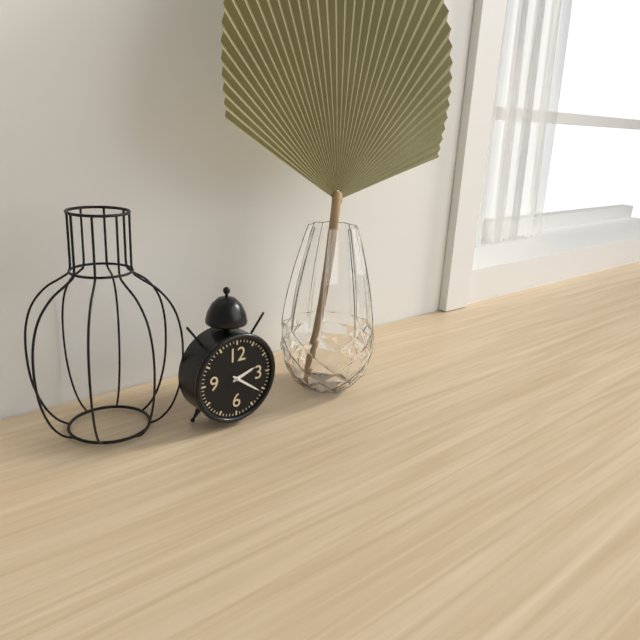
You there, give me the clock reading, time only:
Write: 2:21
